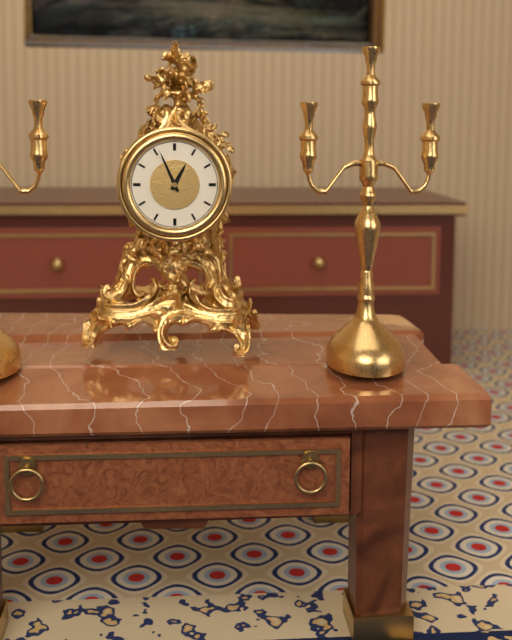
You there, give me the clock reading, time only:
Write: 12:56
